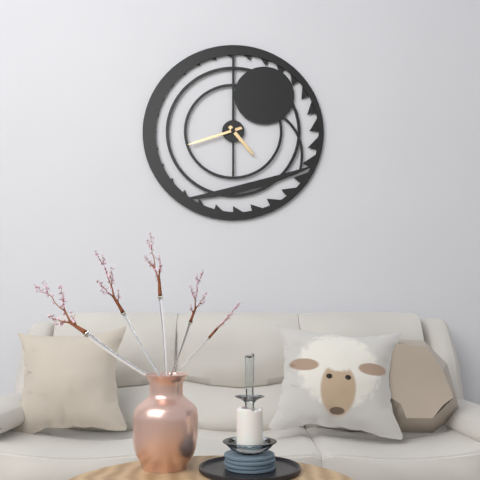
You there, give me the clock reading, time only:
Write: 4:42
